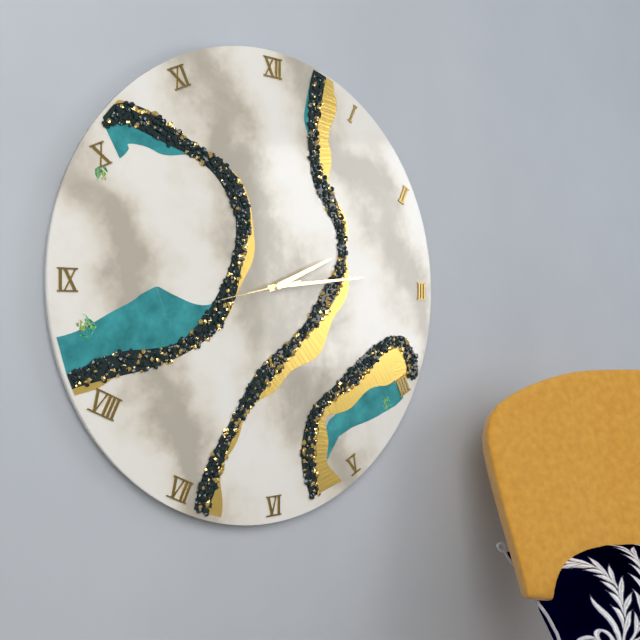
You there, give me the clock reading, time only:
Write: 2:14:43
